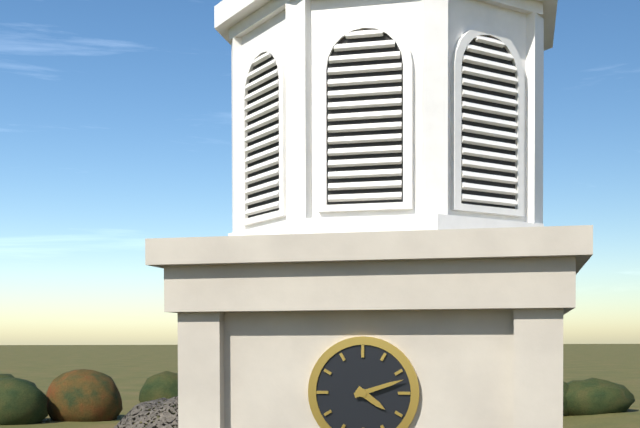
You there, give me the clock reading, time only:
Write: 4:12
